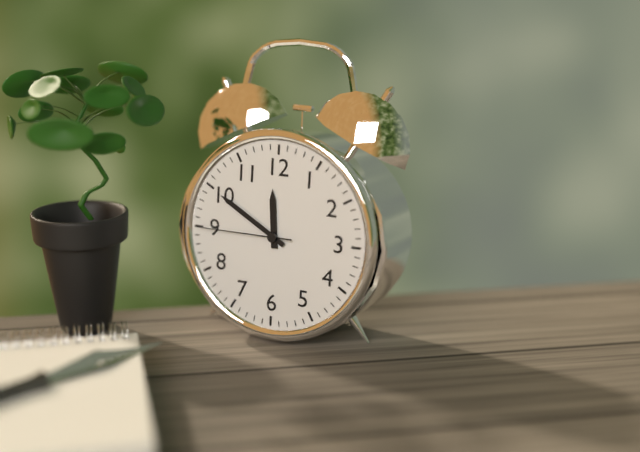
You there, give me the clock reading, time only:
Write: 11:50:45
